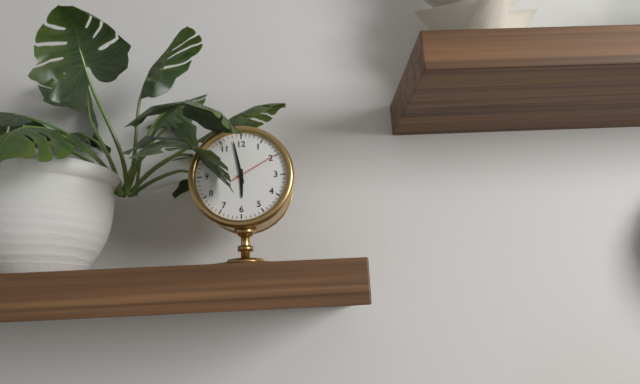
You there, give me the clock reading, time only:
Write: 5:58:10
